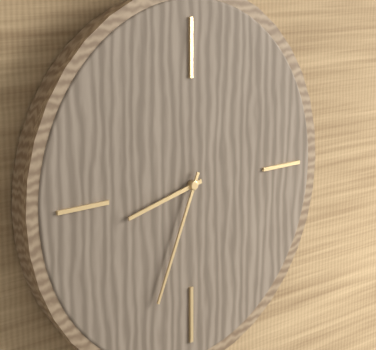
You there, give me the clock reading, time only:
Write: 8:34
